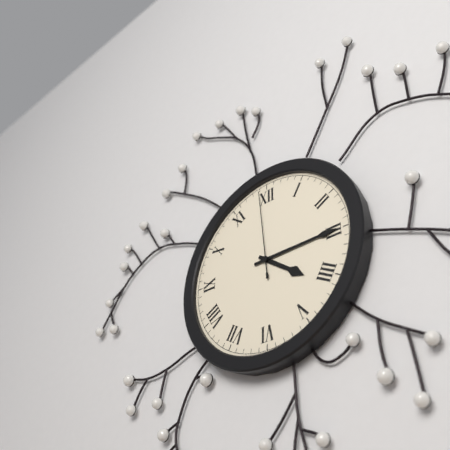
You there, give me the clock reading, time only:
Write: 4:15:59
